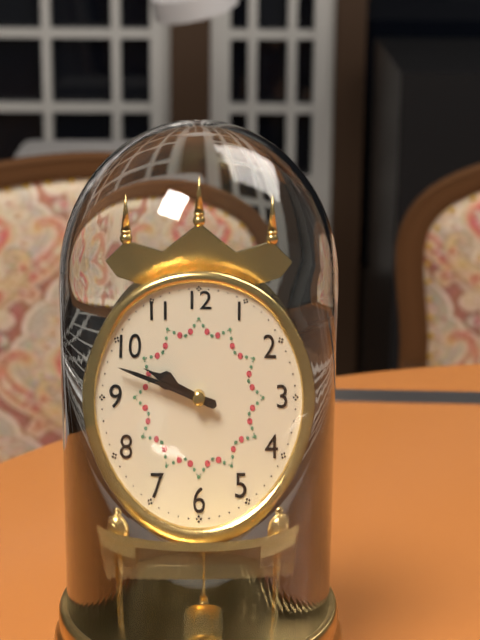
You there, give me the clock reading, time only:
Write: 9:48
